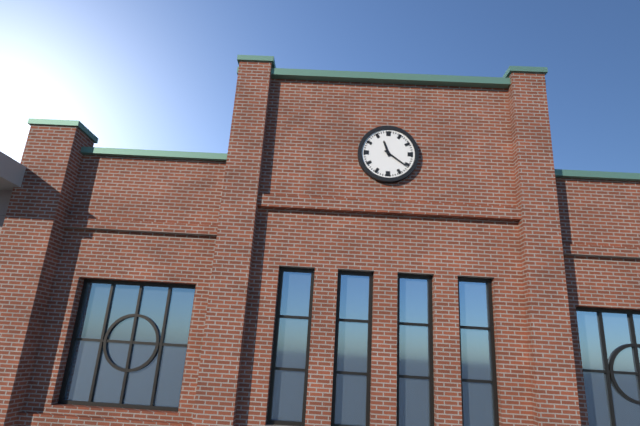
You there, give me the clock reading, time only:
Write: 11:21
